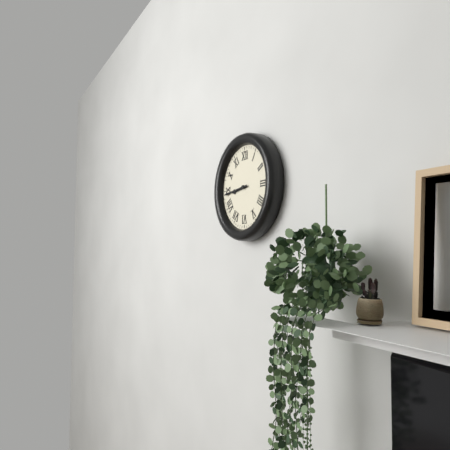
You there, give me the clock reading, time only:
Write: 8:44
